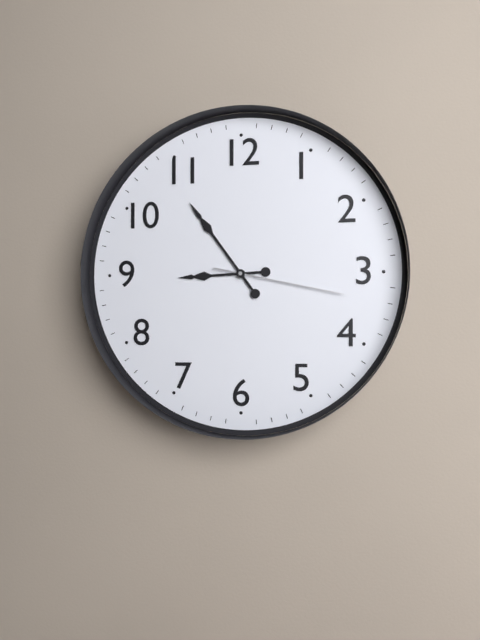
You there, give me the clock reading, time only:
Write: 8:54:17
